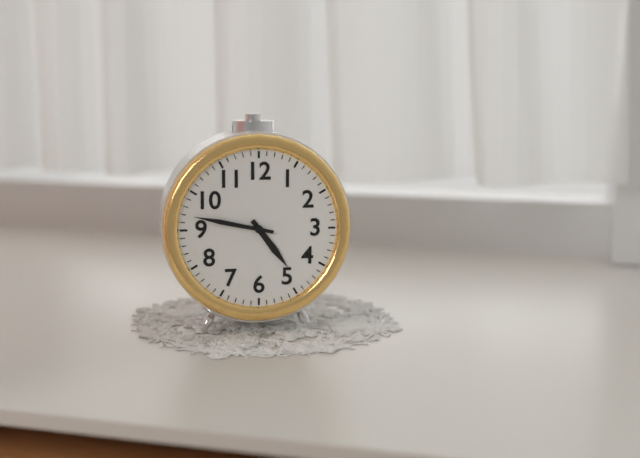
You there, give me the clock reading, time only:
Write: 4:47
